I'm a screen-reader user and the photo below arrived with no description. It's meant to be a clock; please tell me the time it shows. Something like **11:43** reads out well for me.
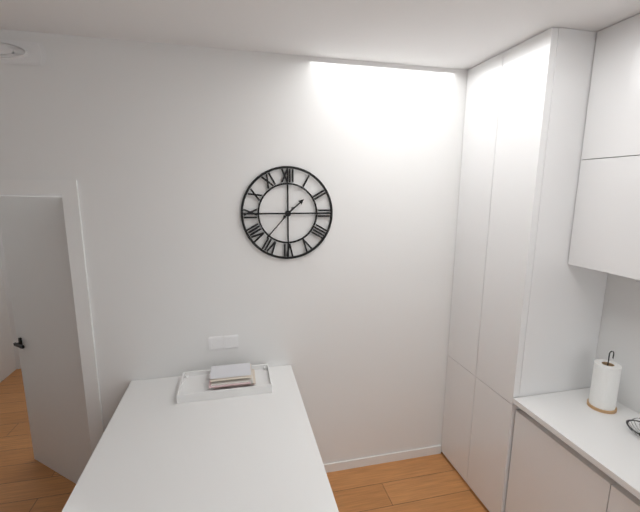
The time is **1:37**
